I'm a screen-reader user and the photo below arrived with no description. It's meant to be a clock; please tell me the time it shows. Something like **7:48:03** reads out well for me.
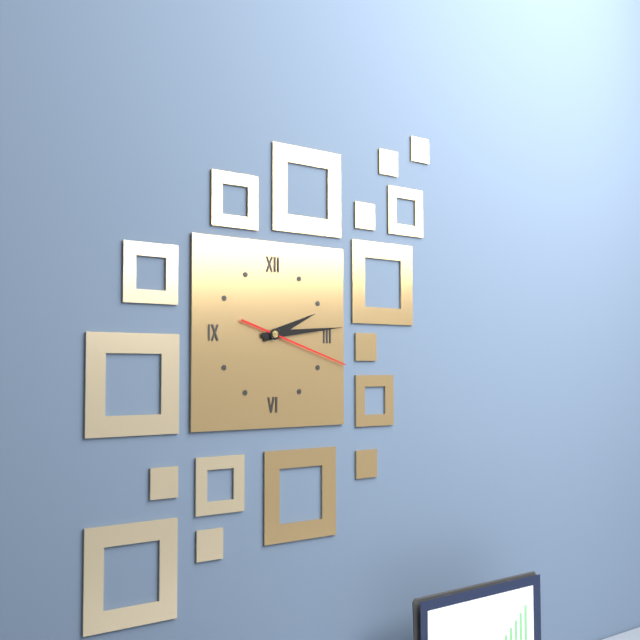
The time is **2:14:18**
